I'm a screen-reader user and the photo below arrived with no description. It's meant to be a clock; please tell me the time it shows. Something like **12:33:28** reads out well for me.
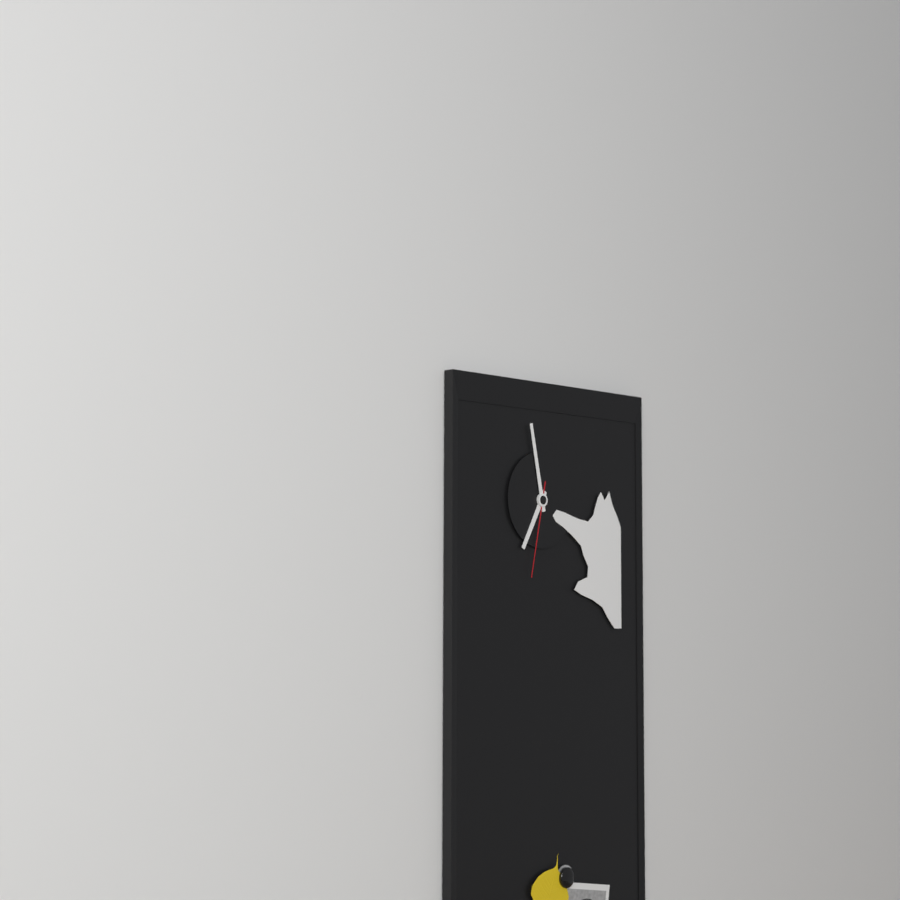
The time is **6:58:32**
